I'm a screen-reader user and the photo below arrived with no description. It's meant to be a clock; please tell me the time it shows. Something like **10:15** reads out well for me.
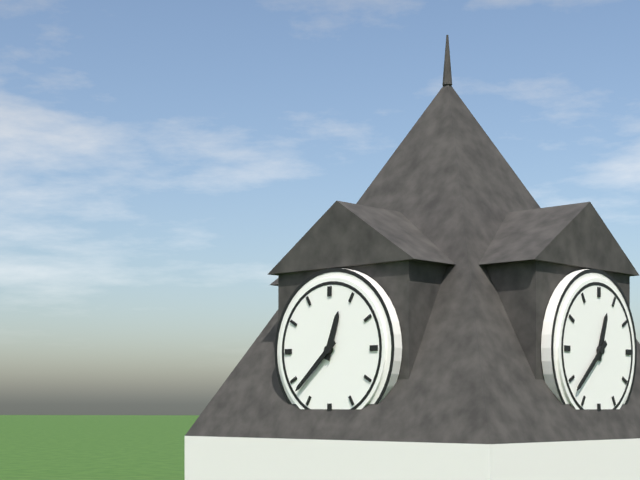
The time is **12:38**
